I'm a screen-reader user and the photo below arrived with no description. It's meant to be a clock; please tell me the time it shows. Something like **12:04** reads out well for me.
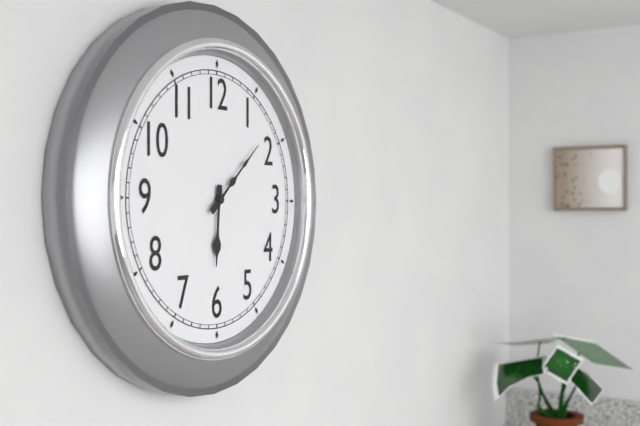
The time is **6:08**
